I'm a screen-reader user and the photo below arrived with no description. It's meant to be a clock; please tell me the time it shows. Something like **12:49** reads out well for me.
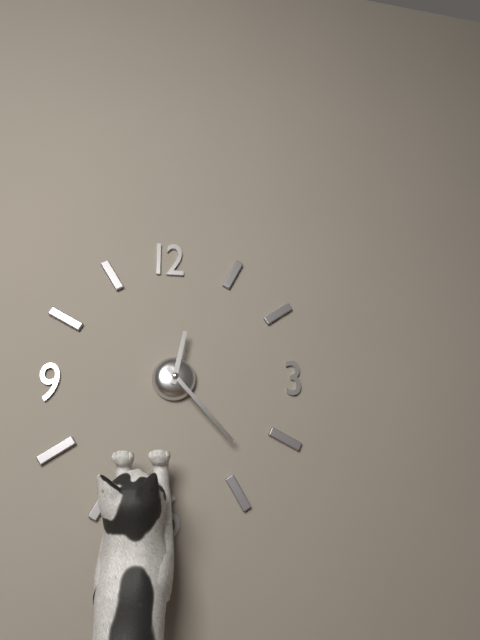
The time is **12:23**
